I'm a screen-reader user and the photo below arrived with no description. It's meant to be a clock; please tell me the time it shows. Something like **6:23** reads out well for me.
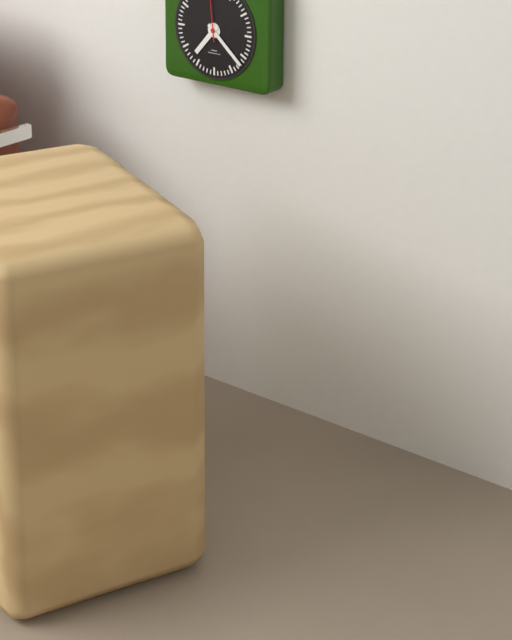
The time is **7:22**
